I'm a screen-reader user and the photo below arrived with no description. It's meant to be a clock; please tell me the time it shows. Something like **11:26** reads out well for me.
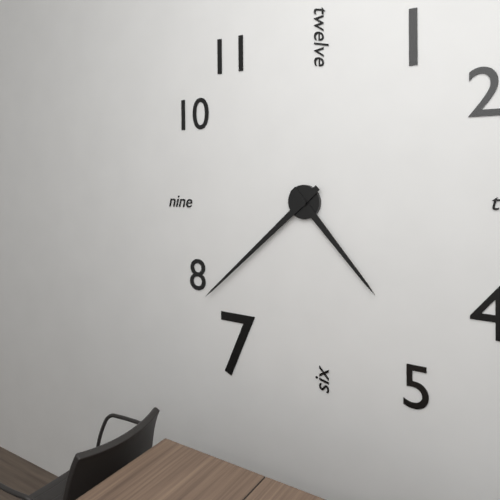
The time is **4:38**
